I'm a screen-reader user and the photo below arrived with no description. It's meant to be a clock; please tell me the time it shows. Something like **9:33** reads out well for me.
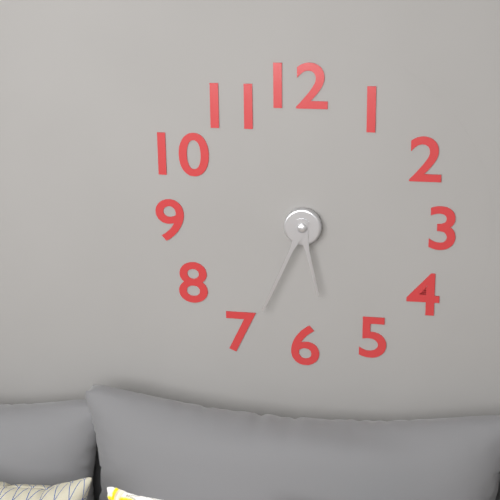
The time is **5:34**
